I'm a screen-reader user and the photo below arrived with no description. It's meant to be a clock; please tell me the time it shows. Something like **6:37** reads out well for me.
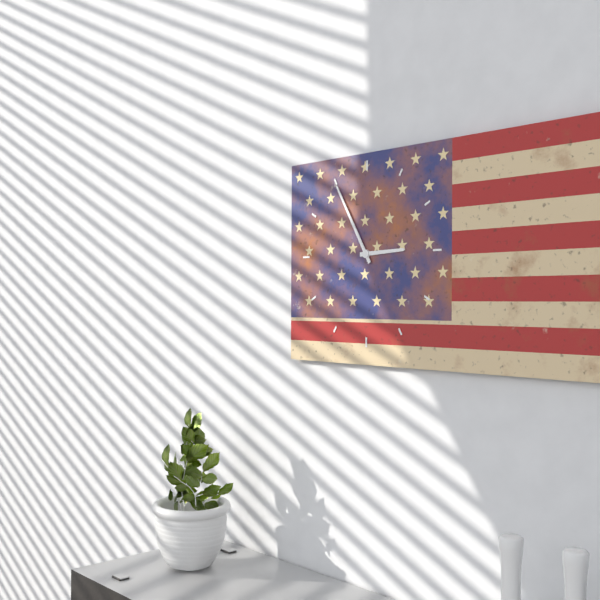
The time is **2:55**
